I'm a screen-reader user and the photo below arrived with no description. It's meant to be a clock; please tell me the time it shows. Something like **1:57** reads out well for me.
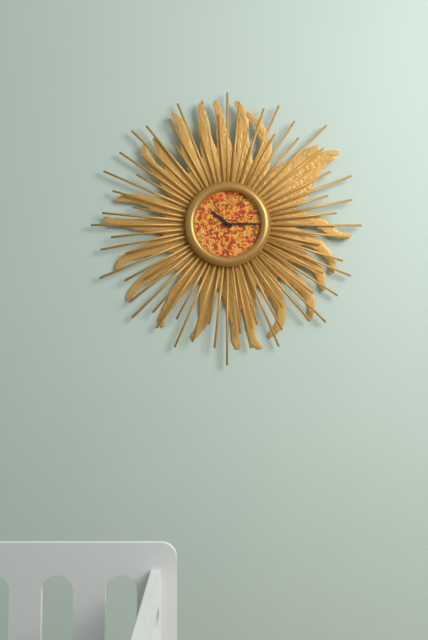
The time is **10:15**
